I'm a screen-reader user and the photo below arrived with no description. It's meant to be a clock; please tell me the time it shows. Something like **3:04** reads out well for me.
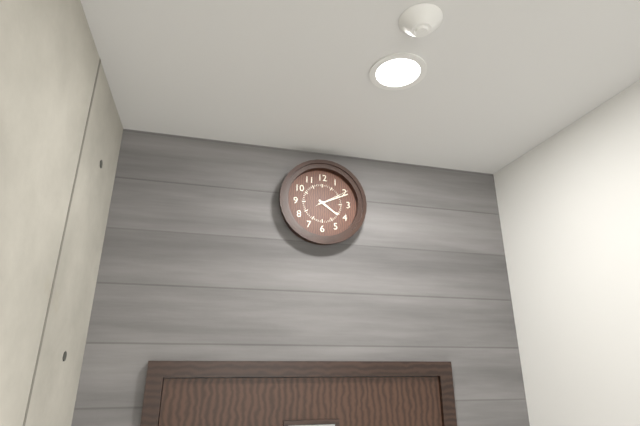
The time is **4:11**
